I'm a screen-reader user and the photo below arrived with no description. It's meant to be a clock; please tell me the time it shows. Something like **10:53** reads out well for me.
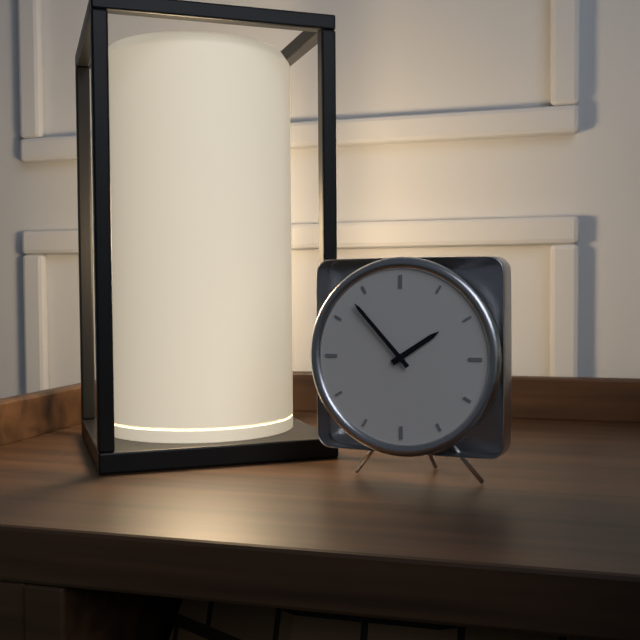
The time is **1:53**
